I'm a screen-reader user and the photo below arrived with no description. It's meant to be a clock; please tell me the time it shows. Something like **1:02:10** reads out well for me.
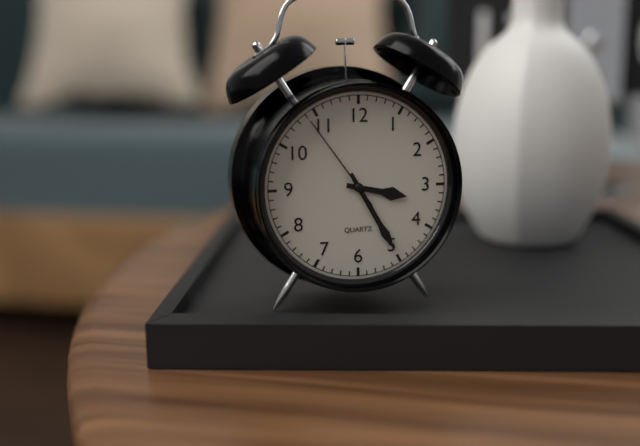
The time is **3:25:54**
